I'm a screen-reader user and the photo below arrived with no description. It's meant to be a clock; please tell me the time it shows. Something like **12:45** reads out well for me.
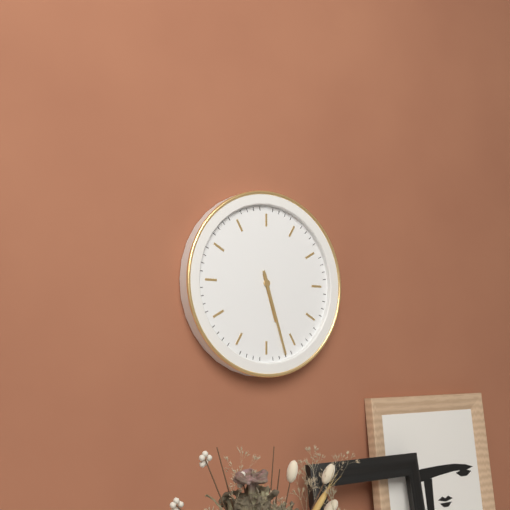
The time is **5:27**
